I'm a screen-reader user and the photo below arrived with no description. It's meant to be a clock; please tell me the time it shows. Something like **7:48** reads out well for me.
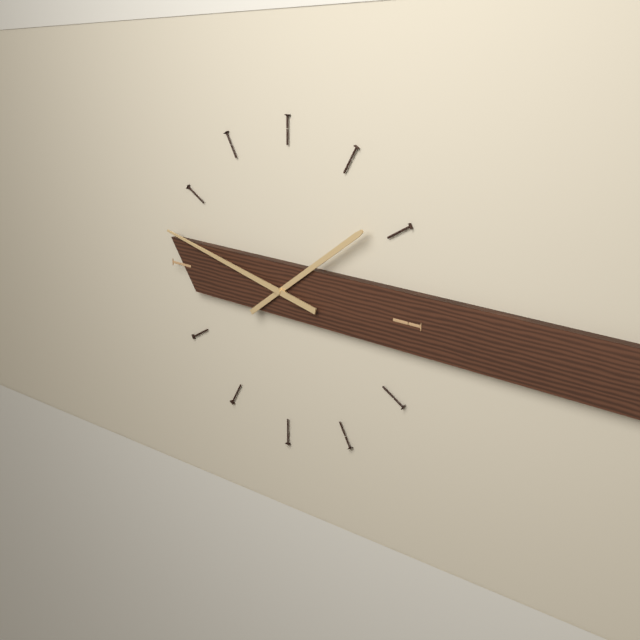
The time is **1:47**
